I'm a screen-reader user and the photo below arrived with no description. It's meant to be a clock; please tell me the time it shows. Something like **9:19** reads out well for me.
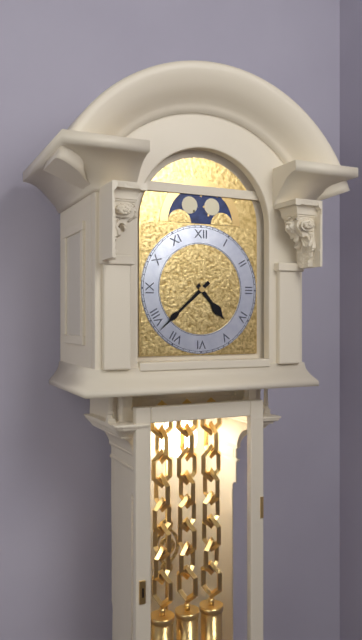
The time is **4:38**
